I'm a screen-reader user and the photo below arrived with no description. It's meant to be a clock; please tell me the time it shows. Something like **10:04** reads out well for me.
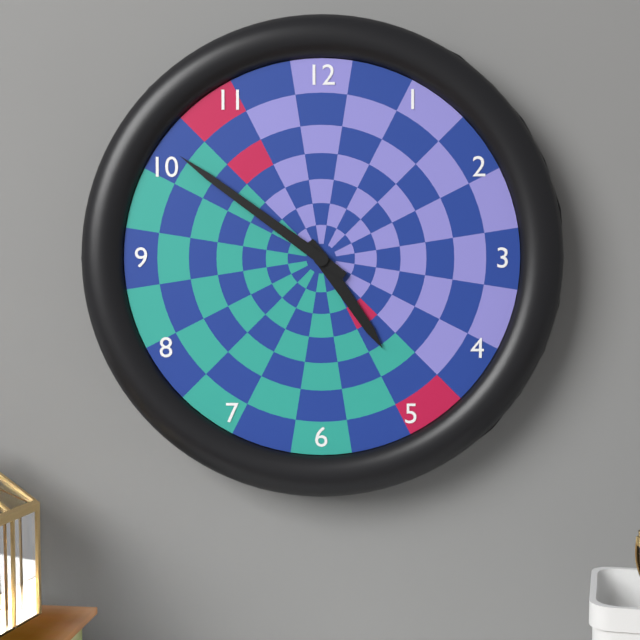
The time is **4:51**
